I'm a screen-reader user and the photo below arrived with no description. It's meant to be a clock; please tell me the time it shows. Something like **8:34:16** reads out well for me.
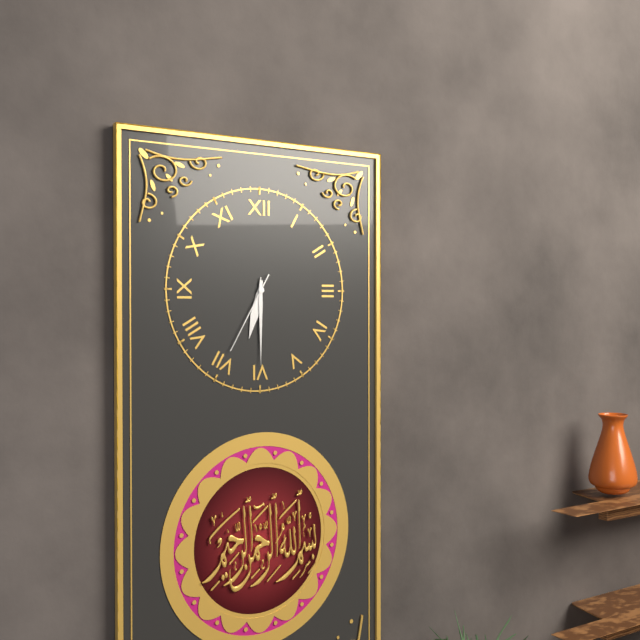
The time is **6:30:35**
